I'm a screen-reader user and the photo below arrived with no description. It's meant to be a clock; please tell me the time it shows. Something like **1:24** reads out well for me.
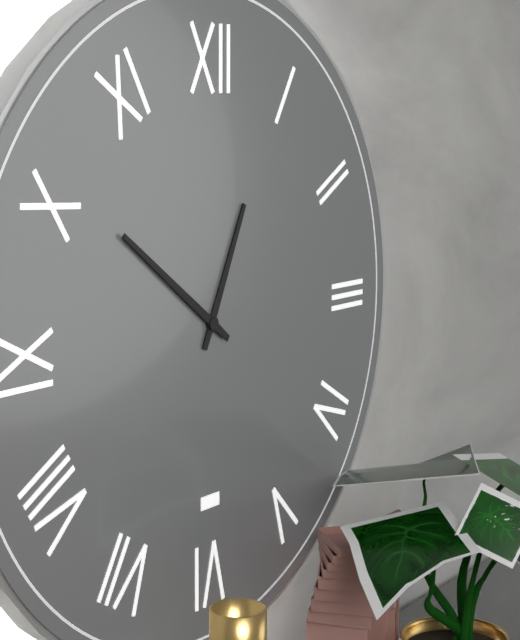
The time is **12:51**
